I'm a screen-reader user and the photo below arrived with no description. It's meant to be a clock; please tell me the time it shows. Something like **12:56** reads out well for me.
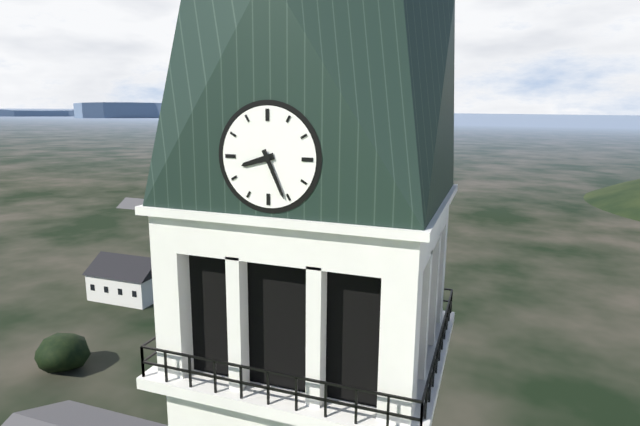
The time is **8:26**
